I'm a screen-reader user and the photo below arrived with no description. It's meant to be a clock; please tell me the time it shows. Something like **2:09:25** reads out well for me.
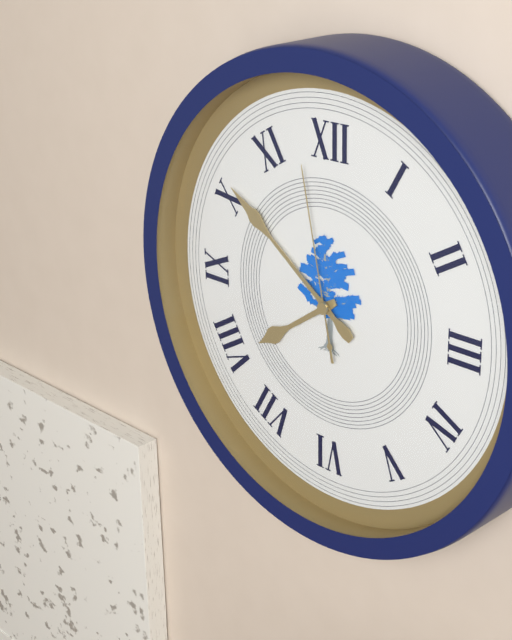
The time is **7:51:58**
